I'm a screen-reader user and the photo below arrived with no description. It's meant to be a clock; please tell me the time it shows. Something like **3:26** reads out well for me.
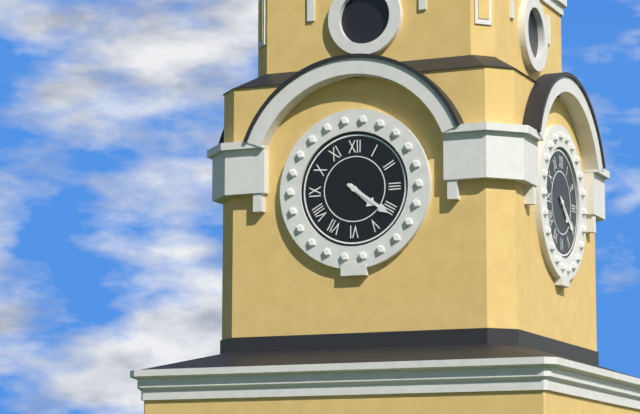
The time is **4:21**
